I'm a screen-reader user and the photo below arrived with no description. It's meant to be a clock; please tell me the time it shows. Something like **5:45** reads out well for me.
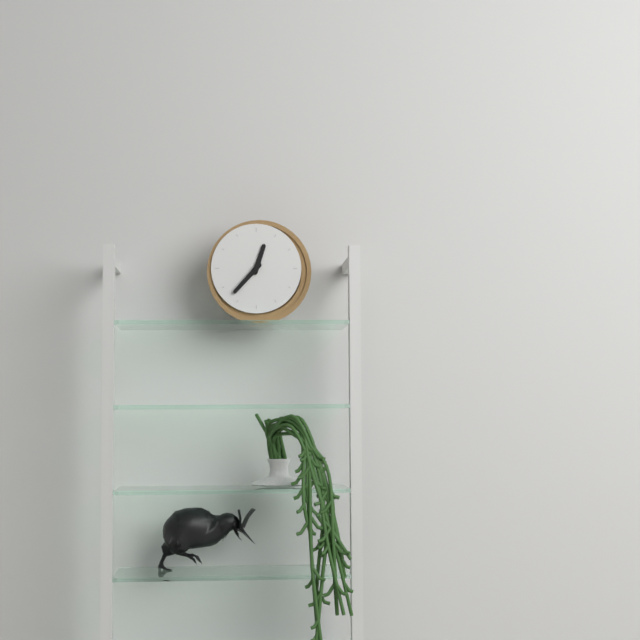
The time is **12:37**
